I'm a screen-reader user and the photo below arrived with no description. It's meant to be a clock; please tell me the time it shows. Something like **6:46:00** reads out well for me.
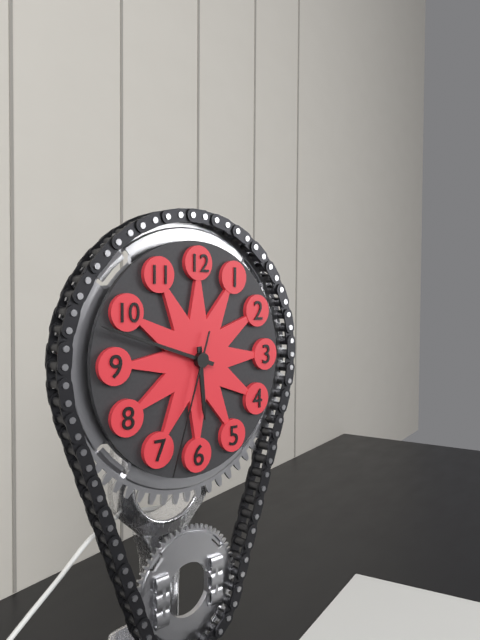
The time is **5:48:33**
